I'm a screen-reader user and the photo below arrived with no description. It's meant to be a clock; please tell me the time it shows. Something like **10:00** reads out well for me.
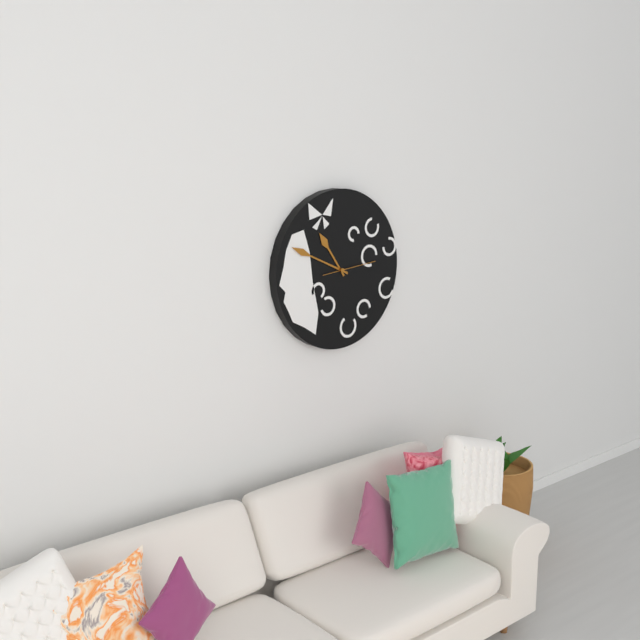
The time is **10:49**
